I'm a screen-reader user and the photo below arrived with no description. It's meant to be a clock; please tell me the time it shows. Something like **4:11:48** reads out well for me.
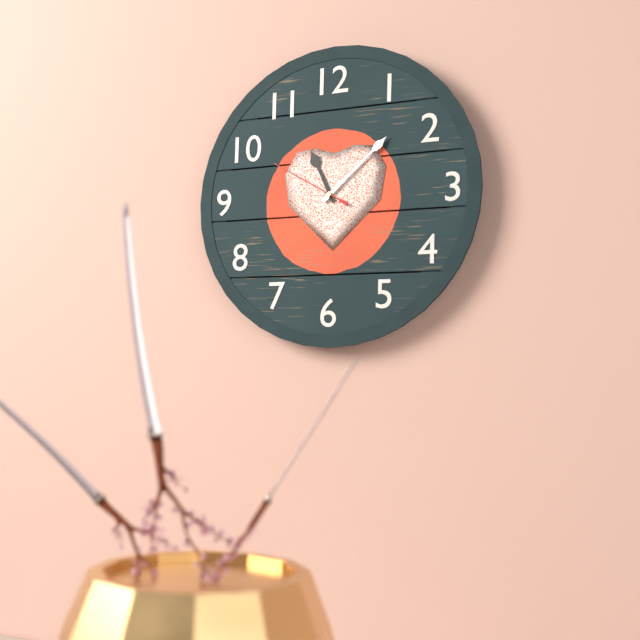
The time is **11:08:50**
